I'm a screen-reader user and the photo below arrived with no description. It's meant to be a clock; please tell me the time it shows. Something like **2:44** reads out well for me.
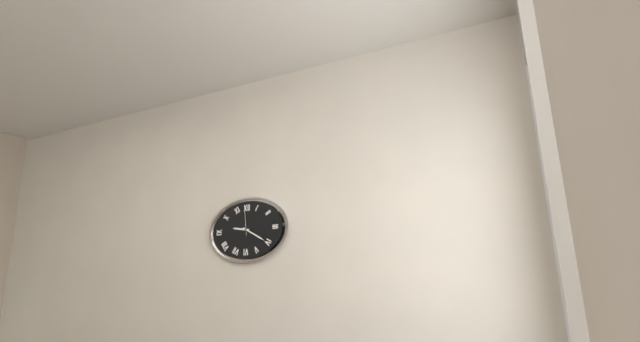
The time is **9:20**
